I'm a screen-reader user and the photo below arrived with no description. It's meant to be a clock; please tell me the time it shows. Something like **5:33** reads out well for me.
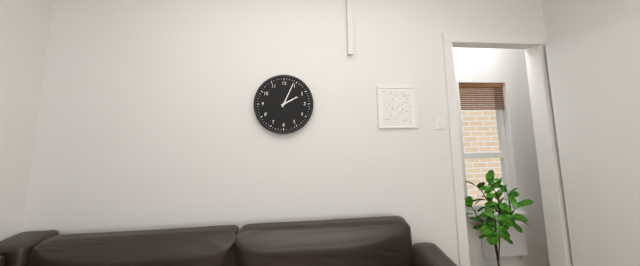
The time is **2:04**
